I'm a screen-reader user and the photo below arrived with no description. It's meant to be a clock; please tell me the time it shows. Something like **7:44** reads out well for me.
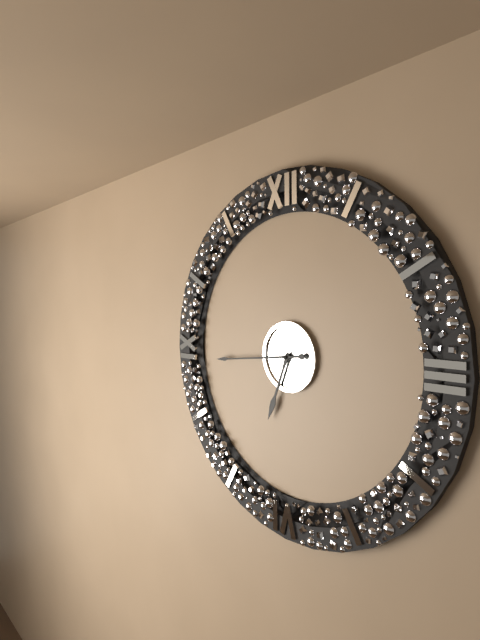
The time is **6:44**
